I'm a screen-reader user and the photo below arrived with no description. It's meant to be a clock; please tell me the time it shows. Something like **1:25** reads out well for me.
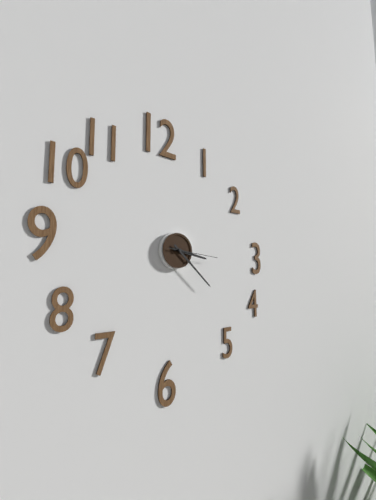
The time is **3:22**
